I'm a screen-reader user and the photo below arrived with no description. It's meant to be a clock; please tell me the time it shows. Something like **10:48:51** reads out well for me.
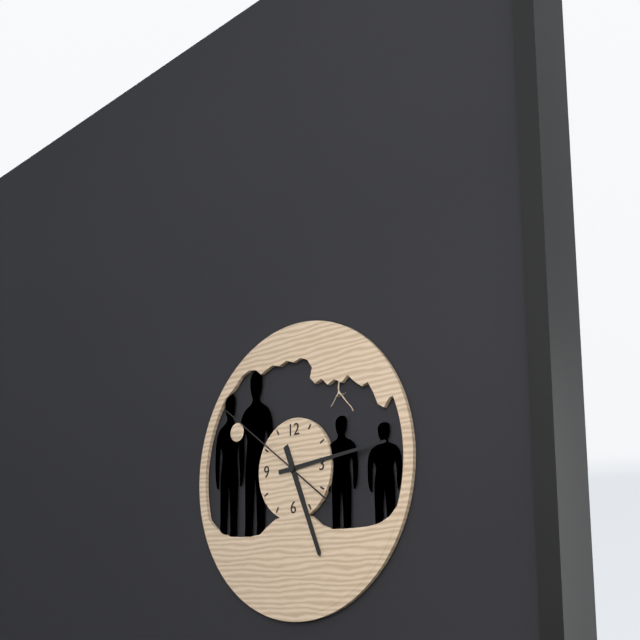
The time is **5:14:51**
